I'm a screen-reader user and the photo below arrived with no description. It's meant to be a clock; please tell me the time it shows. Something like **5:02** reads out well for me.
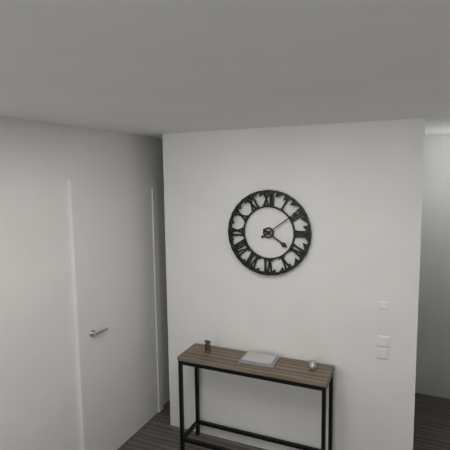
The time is **4:09**
